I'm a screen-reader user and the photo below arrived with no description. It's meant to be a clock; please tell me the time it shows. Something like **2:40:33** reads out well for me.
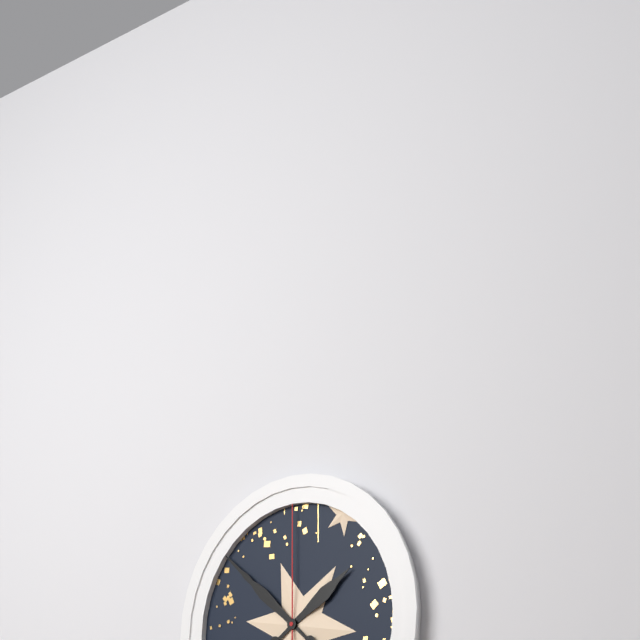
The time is **1:52:00**
